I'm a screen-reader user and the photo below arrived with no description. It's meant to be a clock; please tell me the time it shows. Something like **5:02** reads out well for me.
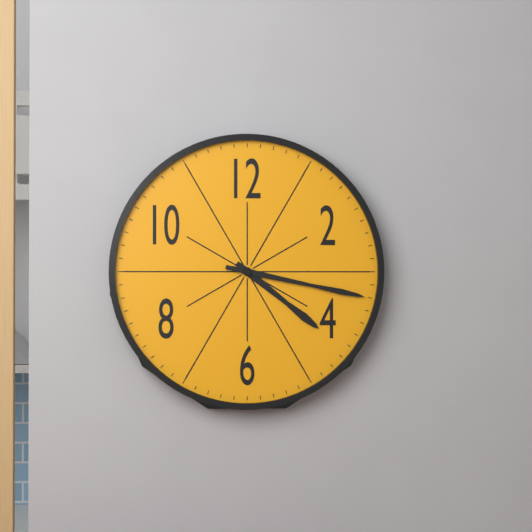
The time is **4:17**
